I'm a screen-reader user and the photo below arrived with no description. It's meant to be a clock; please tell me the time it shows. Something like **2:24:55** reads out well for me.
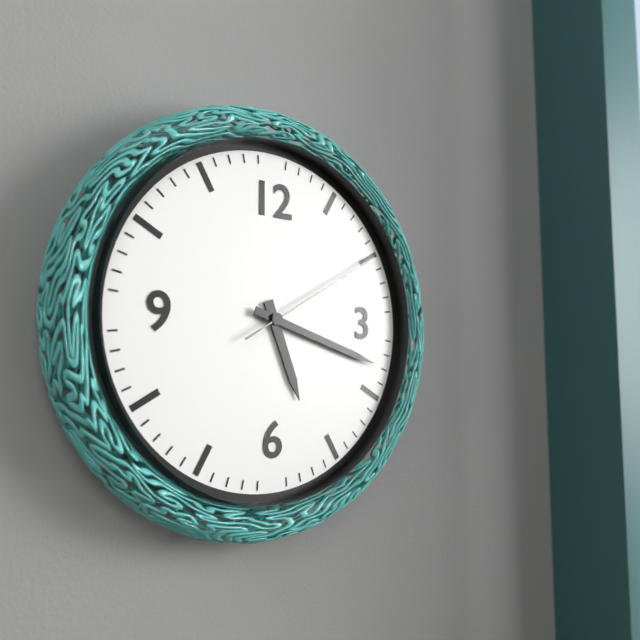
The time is **5:18:10**
